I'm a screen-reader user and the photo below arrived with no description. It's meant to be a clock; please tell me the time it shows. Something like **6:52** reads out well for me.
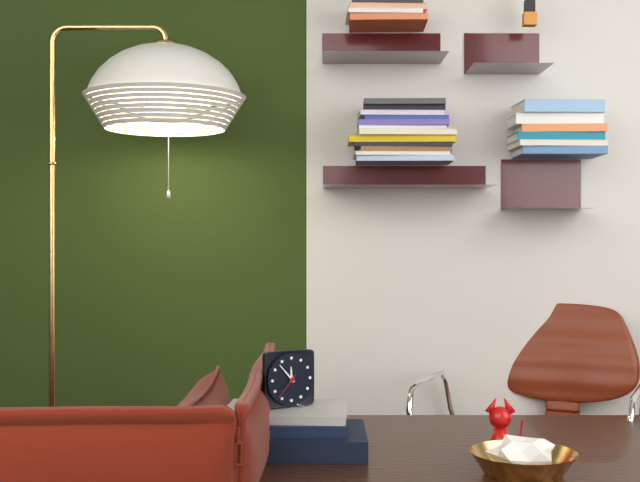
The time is **11:53**
